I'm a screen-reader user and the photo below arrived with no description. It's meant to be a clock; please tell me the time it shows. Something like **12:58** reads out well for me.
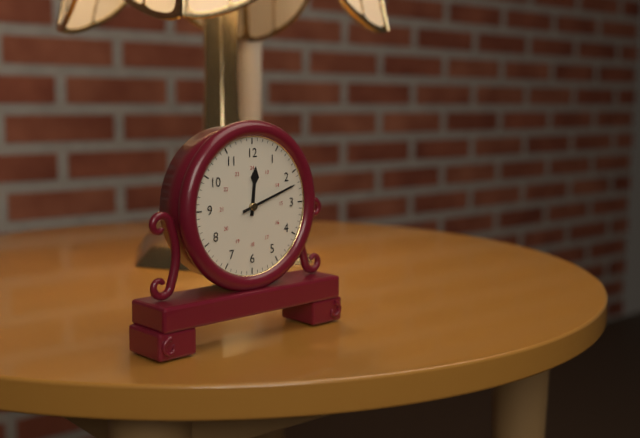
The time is **12:12**
